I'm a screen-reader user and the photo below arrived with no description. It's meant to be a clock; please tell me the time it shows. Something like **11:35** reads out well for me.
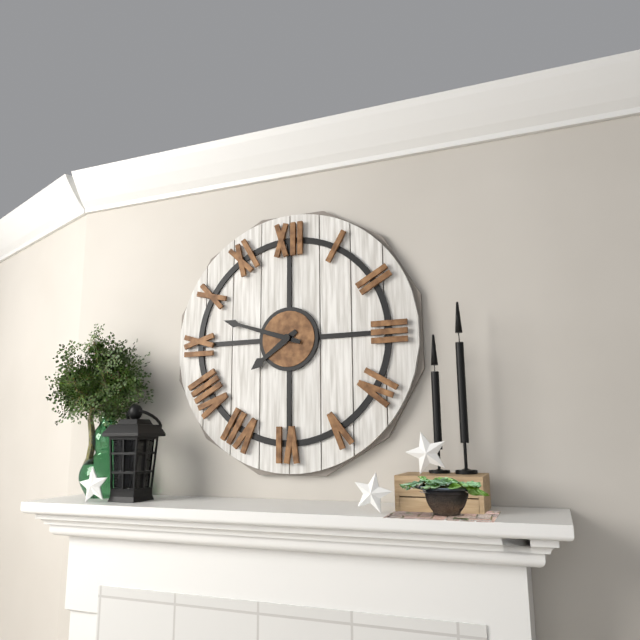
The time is **7:48**
